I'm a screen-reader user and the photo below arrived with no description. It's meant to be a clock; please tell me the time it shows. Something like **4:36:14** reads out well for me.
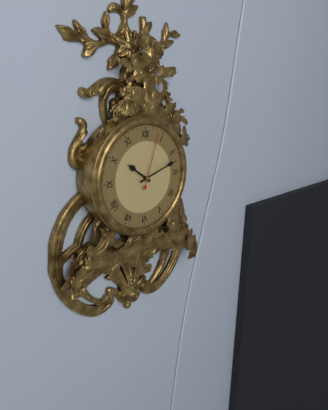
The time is **10:12:03**
